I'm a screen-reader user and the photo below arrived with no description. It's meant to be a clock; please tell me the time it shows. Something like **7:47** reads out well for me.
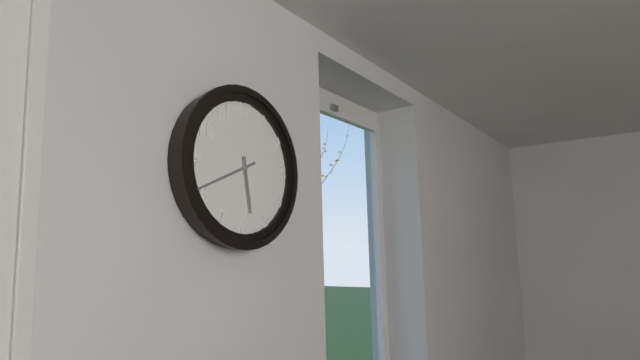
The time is **5:41**
